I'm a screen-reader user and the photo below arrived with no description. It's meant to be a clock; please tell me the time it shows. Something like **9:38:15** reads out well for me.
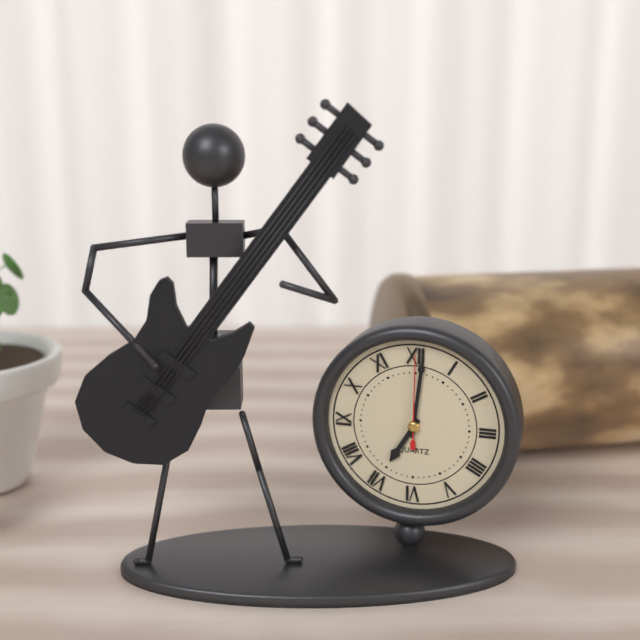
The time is **7:01:00**
